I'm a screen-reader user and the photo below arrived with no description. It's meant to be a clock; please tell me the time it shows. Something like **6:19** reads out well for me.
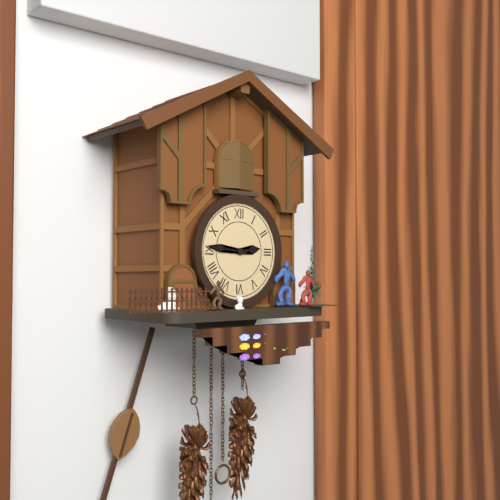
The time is **2:46**
